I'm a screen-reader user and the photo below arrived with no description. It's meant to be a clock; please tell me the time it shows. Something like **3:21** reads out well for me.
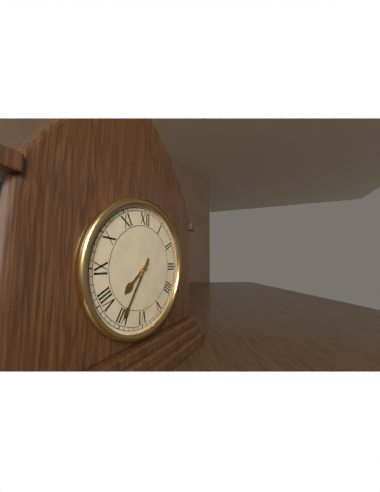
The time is **7:35**
